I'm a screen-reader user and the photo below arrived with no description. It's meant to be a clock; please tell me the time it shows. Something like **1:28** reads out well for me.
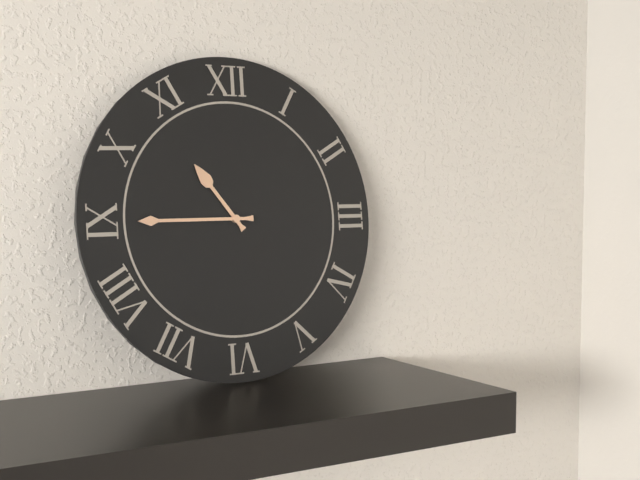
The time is **10:45**
